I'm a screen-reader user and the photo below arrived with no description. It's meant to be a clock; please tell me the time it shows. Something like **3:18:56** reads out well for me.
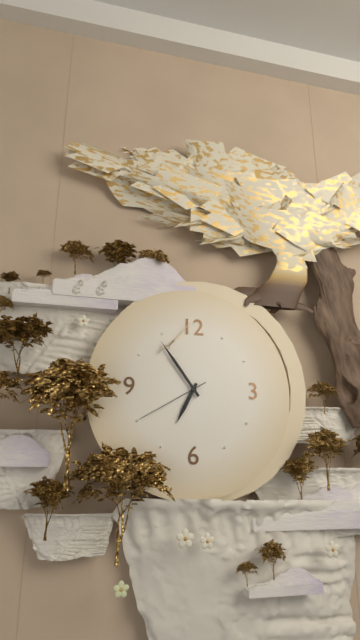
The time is **6:54:40**
